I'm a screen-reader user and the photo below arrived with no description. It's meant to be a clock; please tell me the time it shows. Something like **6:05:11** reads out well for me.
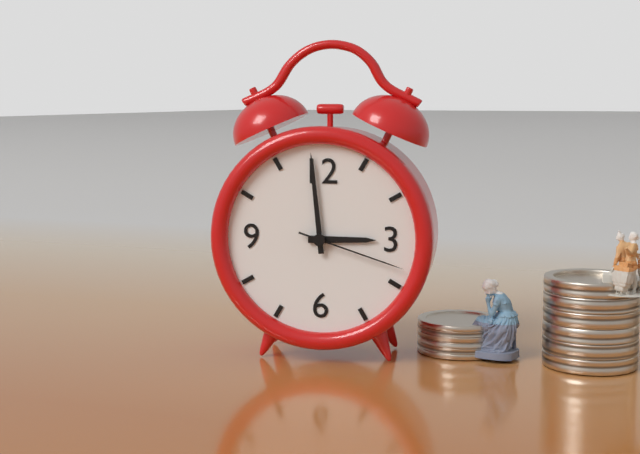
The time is **2:59:18**
